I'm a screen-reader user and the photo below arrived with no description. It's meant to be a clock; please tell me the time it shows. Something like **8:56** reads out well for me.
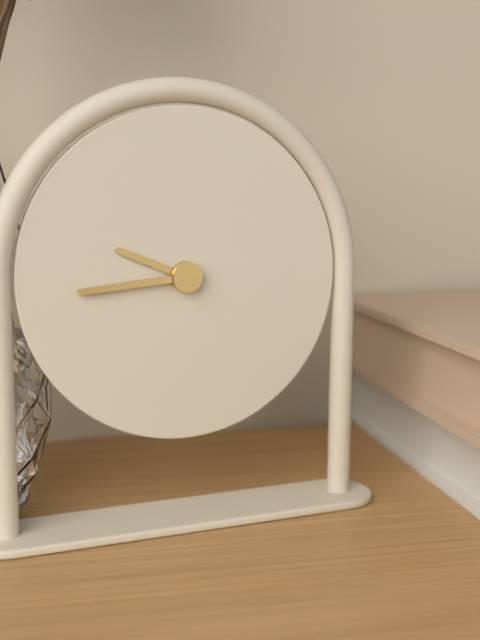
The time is **9:44**
